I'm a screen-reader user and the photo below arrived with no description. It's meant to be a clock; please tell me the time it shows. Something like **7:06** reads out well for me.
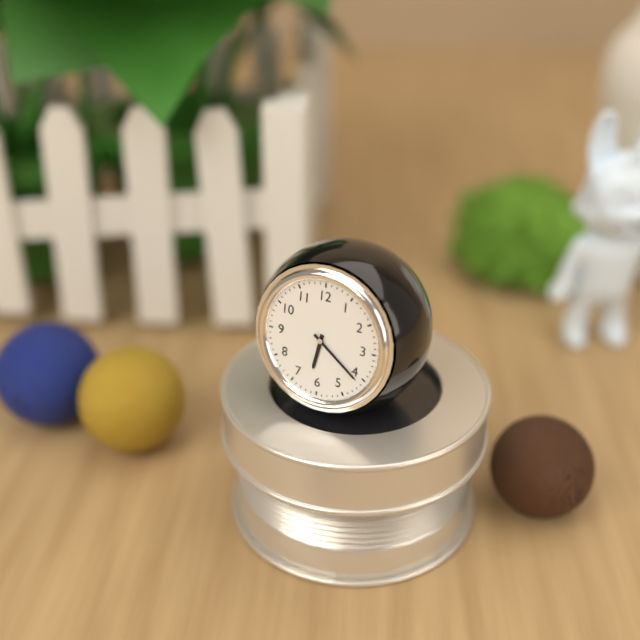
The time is **6:21**
